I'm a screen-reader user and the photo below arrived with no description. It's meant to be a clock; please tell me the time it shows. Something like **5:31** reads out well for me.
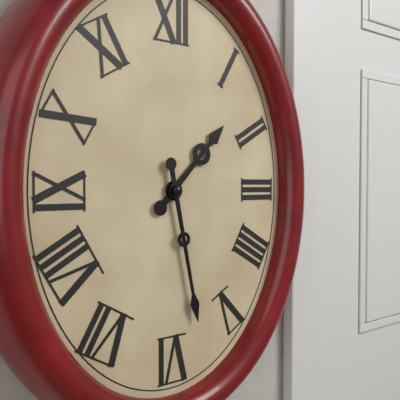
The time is **1:28**
